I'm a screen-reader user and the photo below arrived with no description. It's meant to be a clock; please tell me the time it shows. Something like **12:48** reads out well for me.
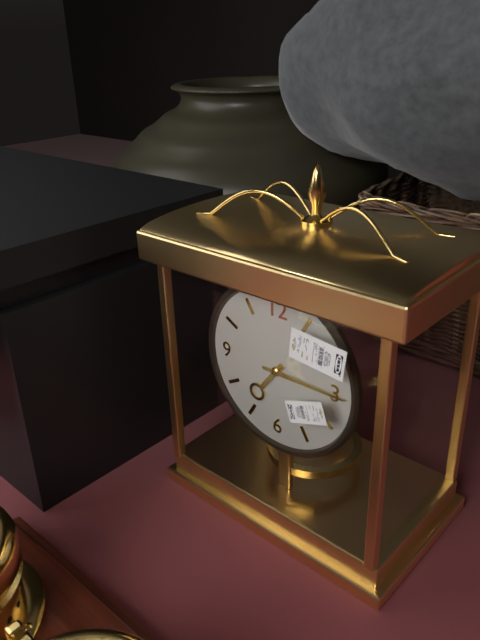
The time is **7:15**
